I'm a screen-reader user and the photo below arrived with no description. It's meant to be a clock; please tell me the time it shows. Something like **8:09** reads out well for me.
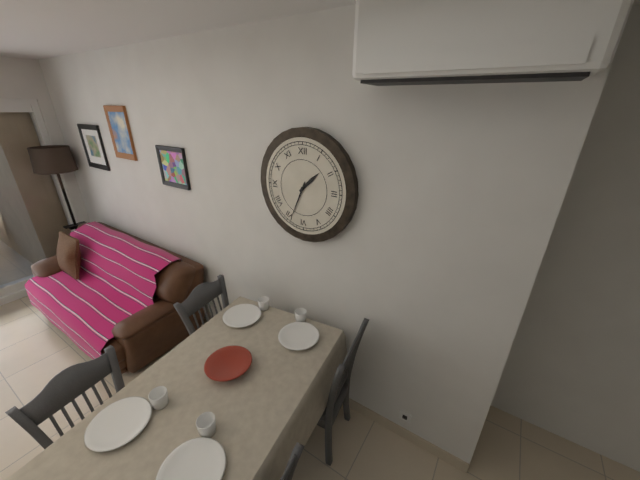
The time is **1:34**
